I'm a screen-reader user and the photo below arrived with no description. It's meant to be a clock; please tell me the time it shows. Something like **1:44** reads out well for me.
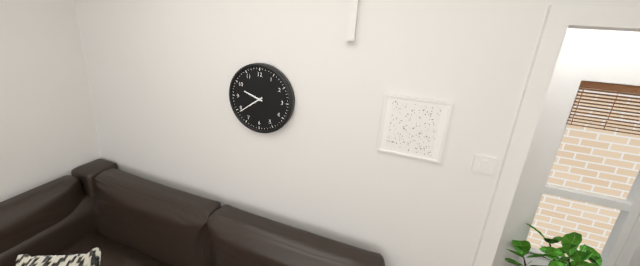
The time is **9:39**
